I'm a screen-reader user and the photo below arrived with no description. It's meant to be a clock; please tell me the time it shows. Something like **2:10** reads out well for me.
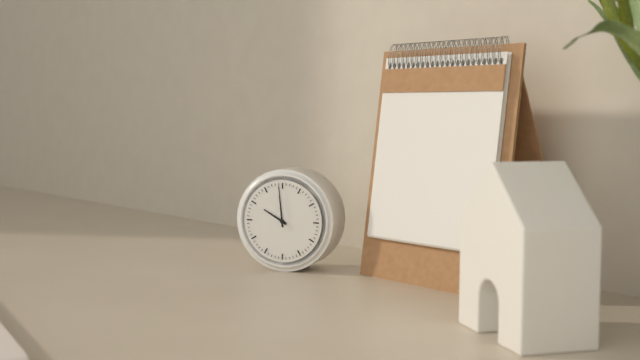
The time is **9:59**
